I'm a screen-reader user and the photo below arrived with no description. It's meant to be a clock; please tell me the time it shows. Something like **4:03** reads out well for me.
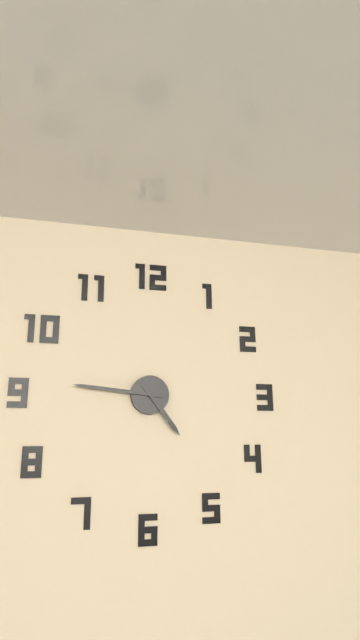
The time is **4:46**
